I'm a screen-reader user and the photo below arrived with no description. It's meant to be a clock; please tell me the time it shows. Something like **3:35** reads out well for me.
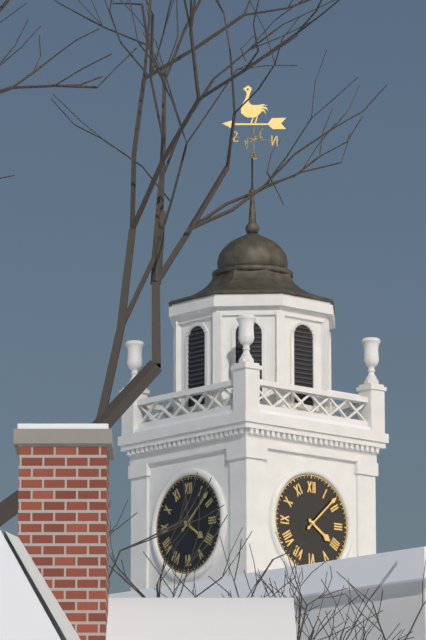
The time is **4:08**
